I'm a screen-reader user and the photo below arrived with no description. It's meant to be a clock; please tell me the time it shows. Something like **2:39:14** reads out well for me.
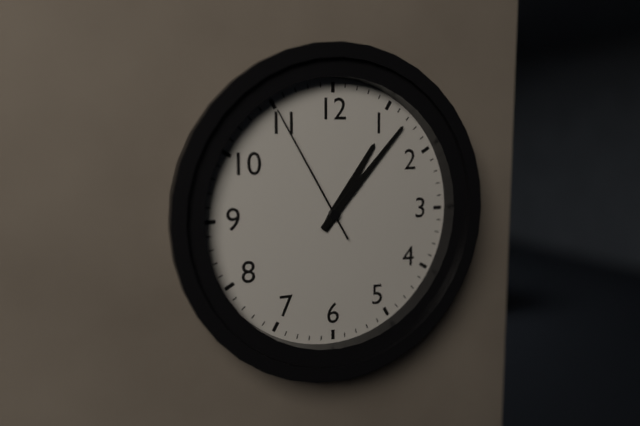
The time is **1:07:55**
